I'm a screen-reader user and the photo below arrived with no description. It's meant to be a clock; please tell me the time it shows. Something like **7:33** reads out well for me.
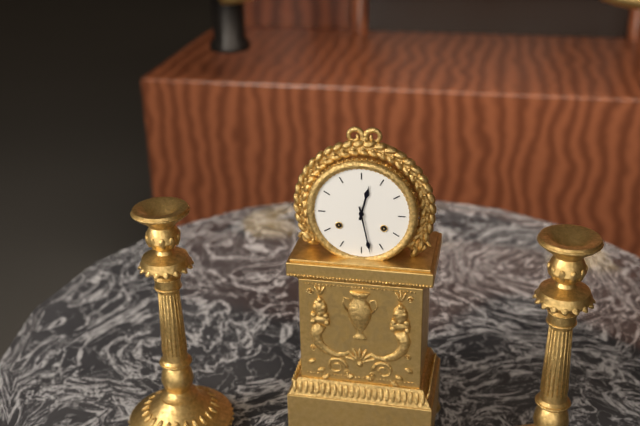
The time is **12:28**
